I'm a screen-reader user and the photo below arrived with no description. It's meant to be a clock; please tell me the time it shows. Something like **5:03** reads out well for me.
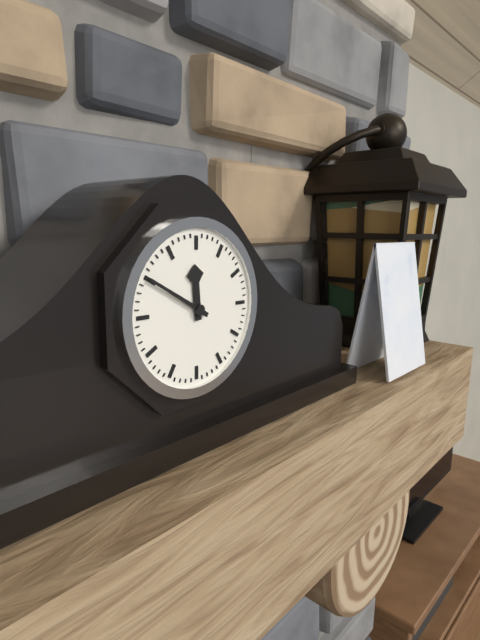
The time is **11:50**
